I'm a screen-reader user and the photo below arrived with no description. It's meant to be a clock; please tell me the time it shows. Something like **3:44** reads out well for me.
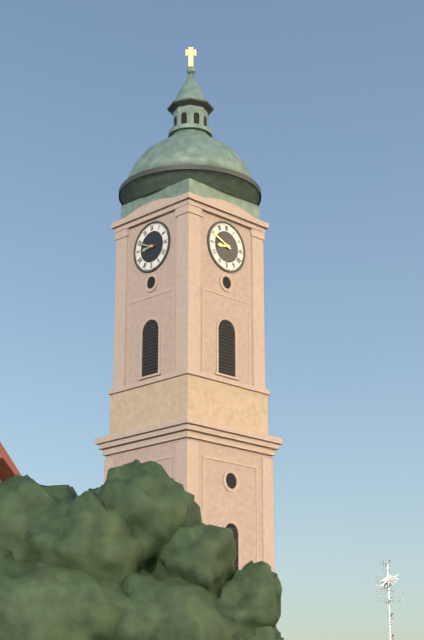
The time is **8:49**
